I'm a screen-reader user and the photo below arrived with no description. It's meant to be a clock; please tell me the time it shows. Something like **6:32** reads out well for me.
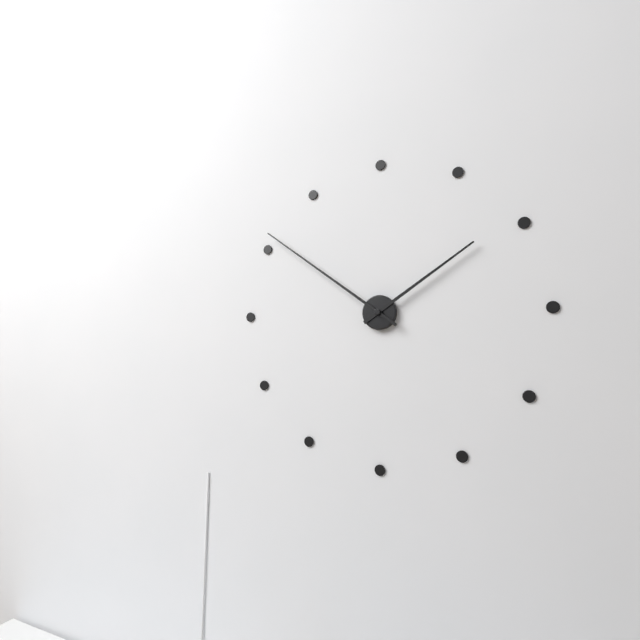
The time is **1:51**
